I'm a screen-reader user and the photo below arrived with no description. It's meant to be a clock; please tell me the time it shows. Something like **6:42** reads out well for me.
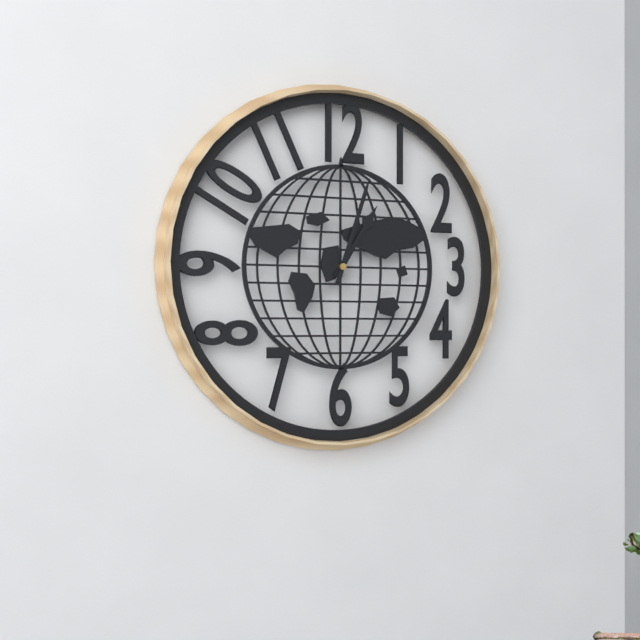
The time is **1:03**
